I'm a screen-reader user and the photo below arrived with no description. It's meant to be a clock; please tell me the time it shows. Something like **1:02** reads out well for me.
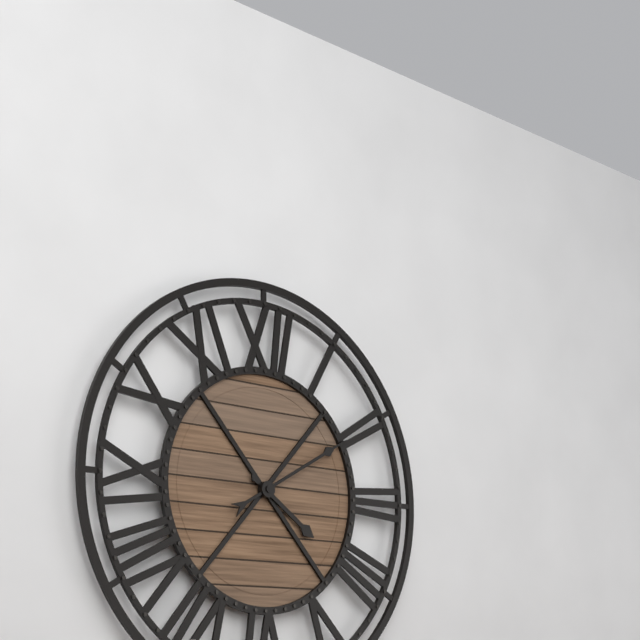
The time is **4:10**
